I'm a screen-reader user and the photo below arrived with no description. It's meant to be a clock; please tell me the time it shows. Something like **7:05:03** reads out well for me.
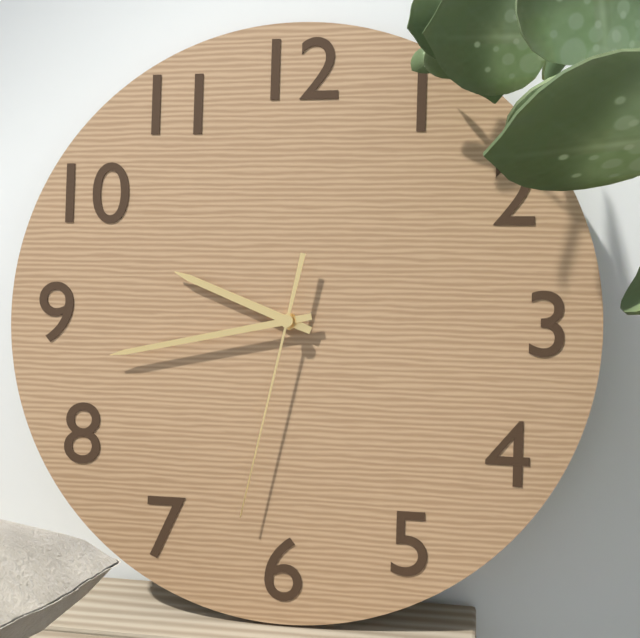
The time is **9:43:32**
